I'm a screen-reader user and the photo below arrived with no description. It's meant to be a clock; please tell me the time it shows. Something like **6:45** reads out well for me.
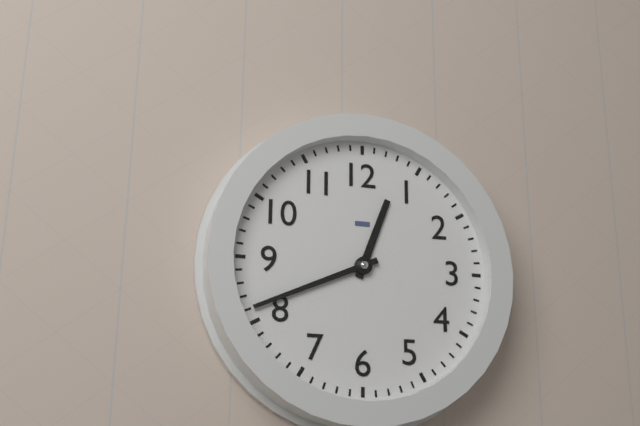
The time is **12:41**
